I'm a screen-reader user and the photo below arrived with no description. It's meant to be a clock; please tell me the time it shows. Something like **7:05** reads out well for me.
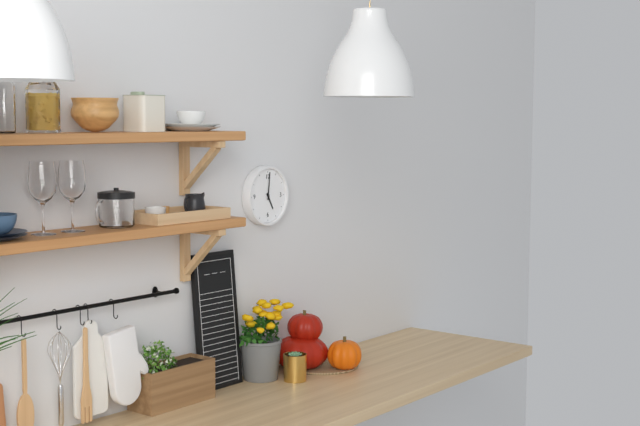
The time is **5:01**
